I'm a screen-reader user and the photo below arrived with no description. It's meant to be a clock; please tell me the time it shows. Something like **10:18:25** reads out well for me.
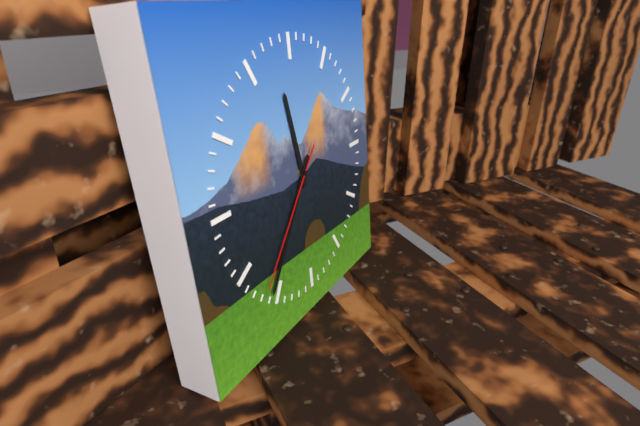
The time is **11:36:37**
